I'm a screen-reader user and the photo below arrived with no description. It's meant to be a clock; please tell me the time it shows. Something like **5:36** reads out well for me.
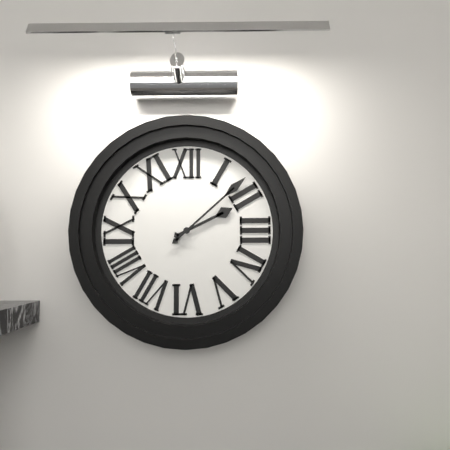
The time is **2:08**
